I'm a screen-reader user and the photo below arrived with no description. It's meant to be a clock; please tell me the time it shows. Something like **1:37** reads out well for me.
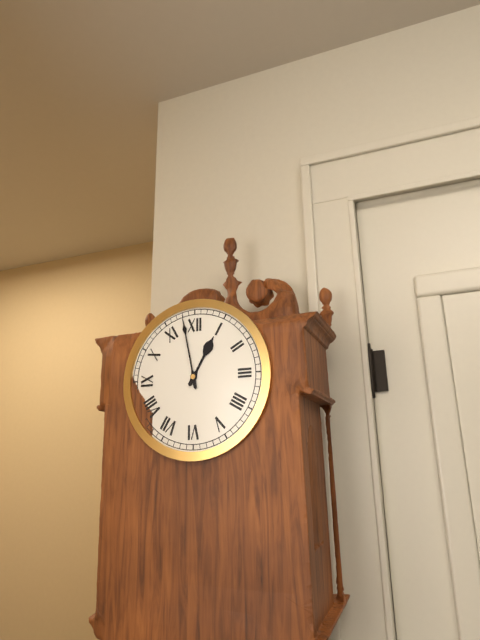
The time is **12:58**
